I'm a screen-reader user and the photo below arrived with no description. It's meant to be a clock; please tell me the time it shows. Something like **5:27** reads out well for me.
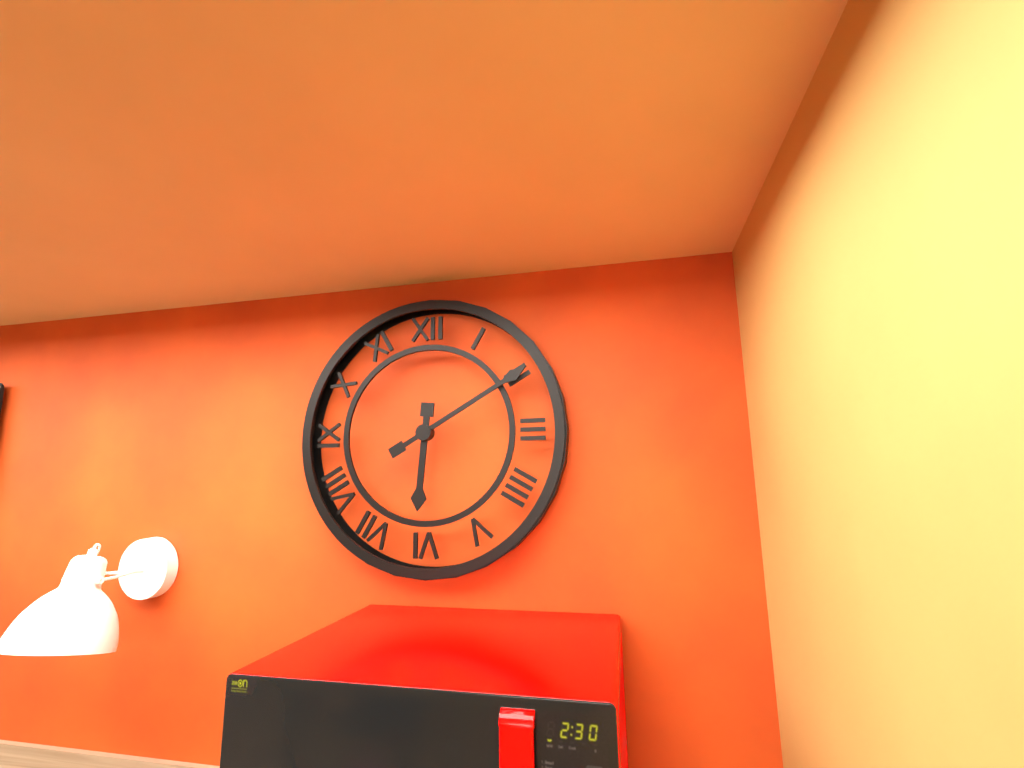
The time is **6:10**
